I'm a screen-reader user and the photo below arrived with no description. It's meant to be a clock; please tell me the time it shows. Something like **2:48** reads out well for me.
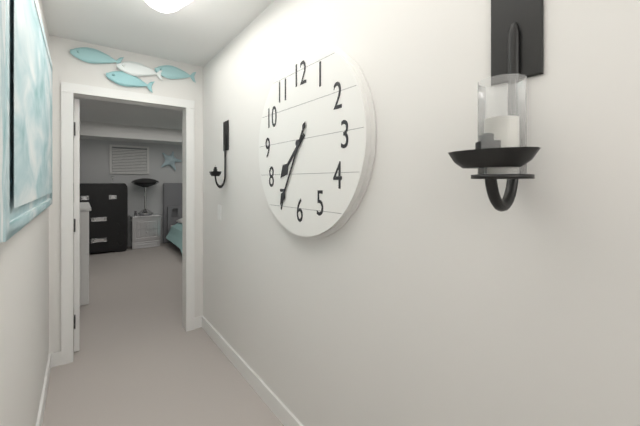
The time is **7:35**
